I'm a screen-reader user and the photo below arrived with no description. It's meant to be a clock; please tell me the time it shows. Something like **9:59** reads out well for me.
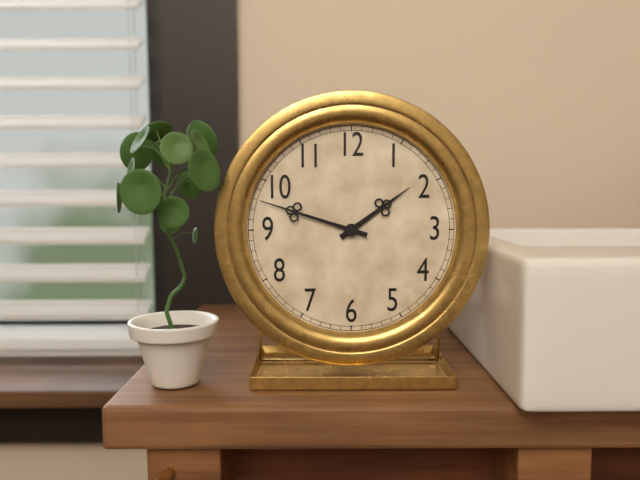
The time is **1:48**
